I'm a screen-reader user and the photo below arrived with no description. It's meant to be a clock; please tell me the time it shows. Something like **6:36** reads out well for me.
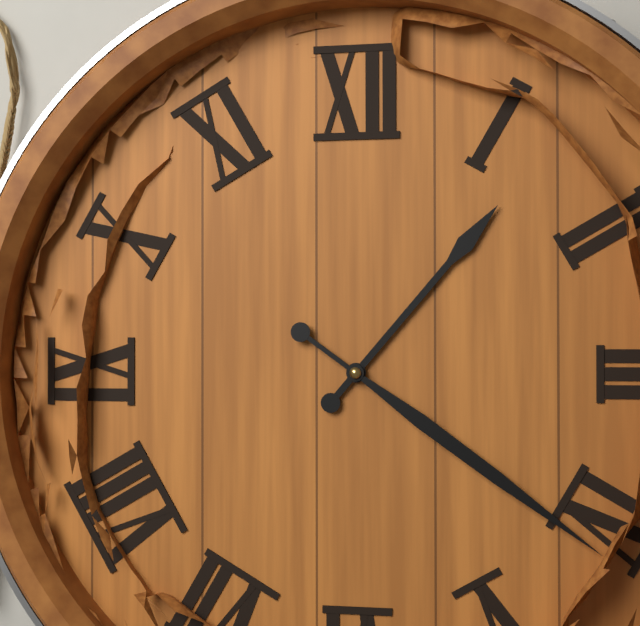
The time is **1:21**
